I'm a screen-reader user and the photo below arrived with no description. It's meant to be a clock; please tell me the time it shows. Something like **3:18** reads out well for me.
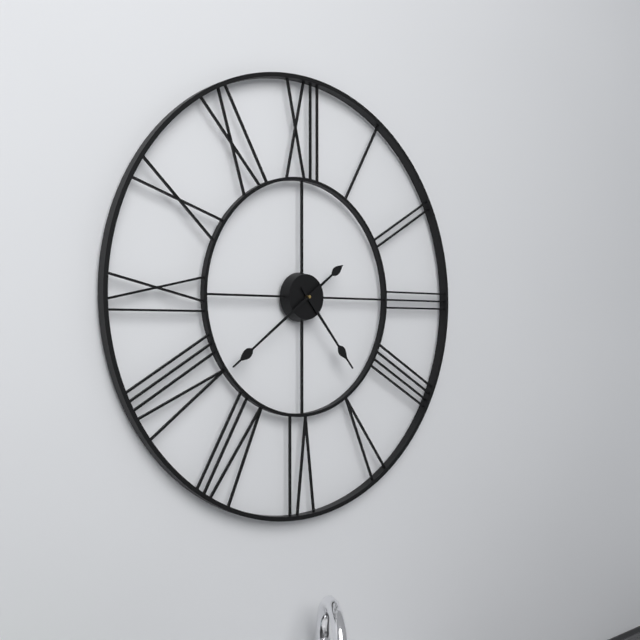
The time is **4:39**
